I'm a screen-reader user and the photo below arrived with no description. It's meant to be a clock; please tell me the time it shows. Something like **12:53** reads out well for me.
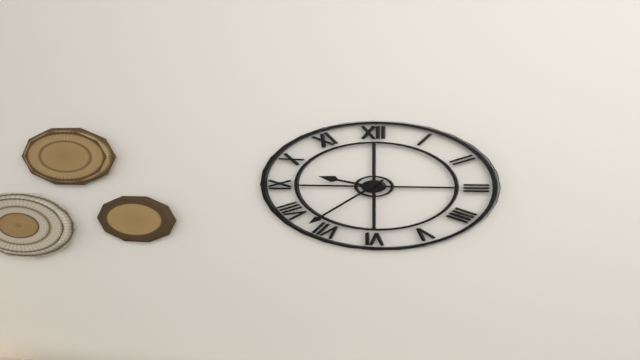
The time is **9:37**
